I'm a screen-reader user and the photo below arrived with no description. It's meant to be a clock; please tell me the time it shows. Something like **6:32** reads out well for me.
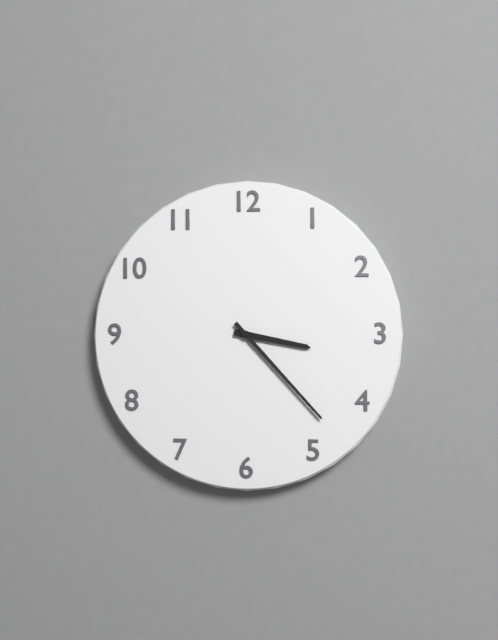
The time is **3:23**
